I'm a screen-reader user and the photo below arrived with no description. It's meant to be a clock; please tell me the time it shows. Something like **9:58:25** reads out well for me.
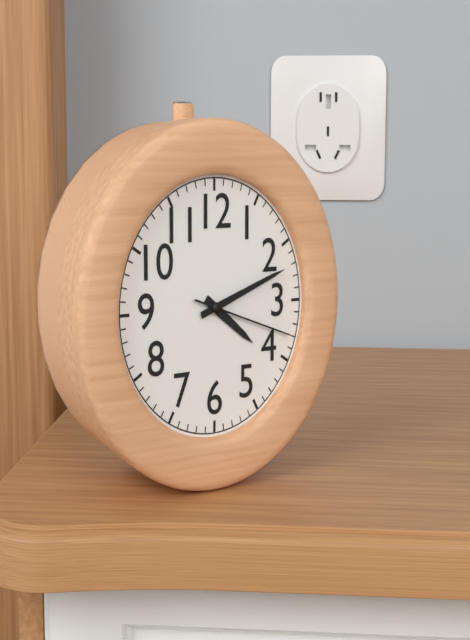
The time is **4:12:18**
